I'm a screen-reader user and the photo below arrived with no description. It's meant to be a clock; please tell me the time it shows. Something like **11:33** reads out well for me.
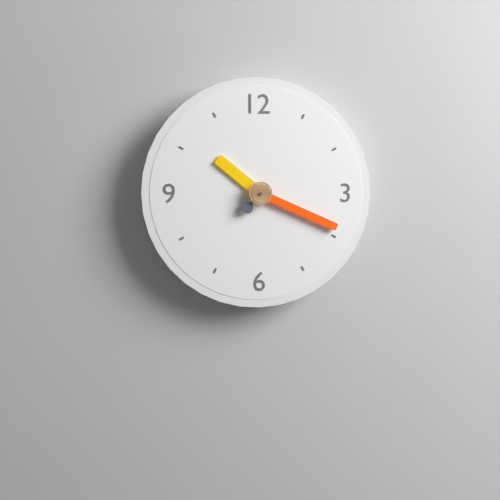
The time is **10:19**
